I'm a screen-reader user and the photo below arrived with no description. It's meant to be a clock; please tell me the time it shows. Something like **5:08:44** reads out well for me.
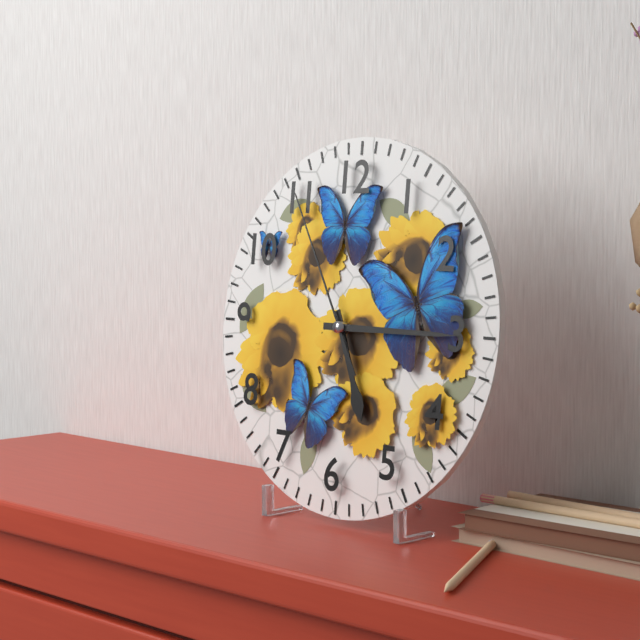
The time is **5:15:55**
